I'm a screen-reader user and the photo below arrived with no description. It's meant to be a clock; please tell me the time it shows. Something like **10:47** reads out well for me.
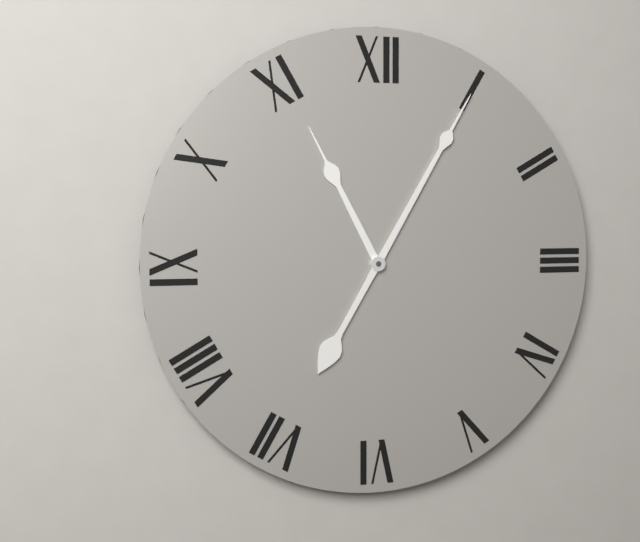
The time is **11:05**
